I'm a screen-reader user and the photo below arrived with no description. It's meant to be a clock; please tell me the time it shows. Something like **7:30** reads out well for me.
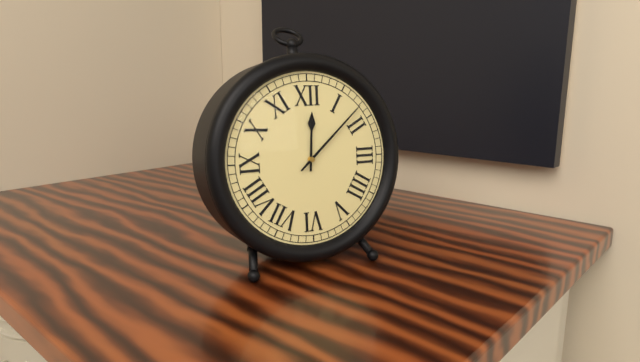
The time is **12:08**
